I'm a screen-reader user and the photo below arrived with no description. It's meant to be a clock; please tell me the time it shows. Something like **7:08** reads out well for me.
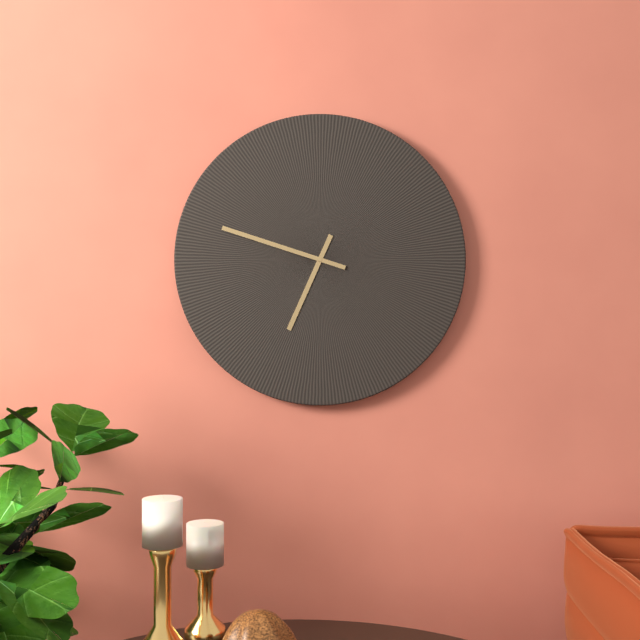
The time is **6:48**
